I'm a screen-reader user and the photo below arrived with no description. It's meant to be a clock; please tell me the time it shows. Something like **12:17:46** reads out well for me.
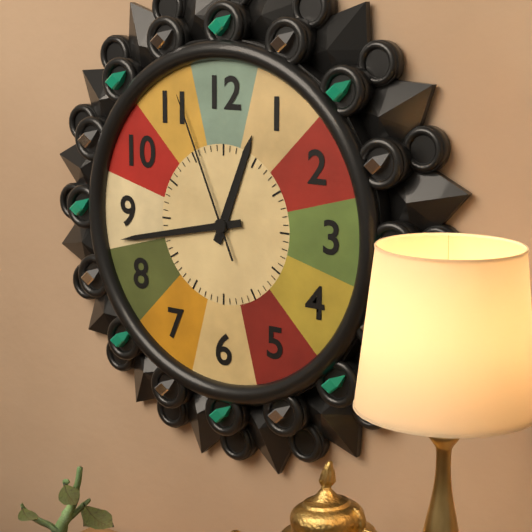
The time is **12:43:56**
